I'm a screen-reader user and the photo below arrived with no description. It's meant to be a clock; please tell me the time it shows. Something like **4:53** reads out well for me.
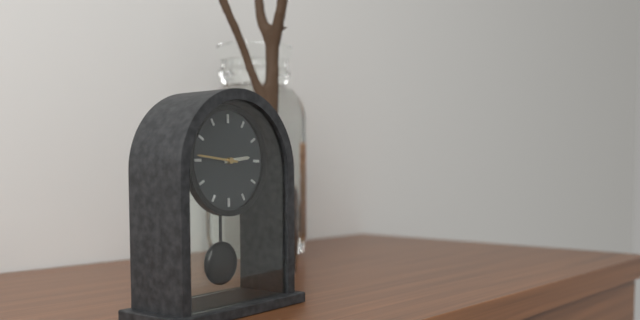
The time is **2:46**
